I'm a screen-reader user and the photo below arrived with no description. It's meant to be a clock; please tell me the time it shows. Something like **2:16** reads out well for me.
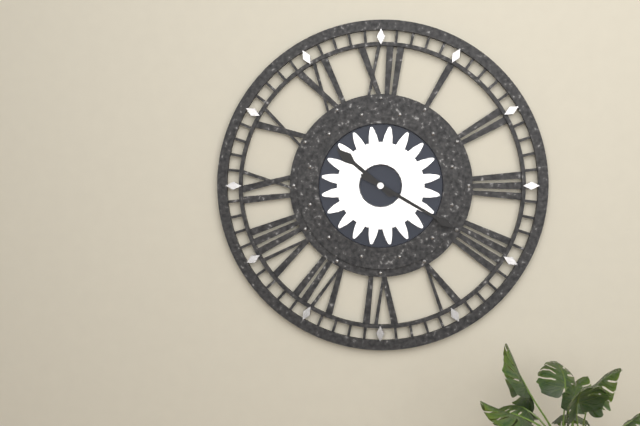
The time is **10:20**
